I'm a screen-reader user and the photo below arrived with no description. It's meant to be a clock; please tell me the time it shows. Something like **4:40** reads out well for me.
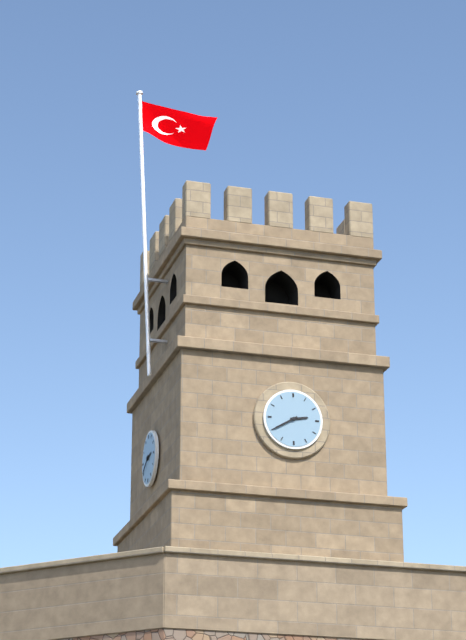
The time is **2:40**
